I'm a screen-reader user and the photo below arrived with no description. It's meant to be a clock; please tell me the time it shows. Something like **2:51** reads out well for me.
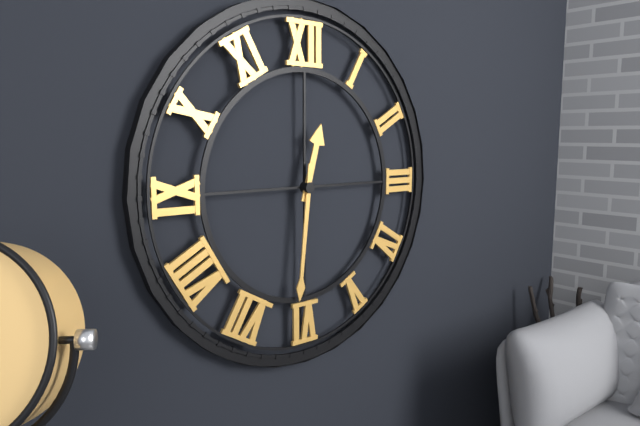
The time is **12:31**
